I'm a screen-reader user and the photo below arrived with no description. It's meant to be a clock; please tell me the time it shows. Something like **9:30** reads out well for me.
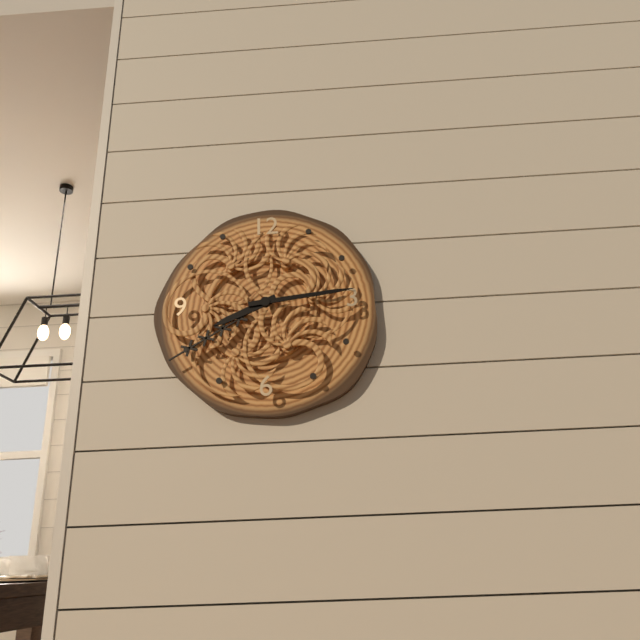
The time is **8:14**
